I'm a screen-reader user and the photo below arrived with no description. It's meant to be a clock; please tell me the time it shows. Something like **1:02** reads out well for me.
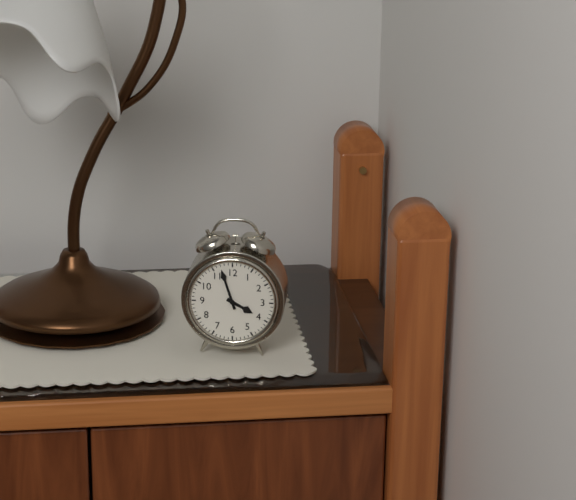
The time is **3:57**
